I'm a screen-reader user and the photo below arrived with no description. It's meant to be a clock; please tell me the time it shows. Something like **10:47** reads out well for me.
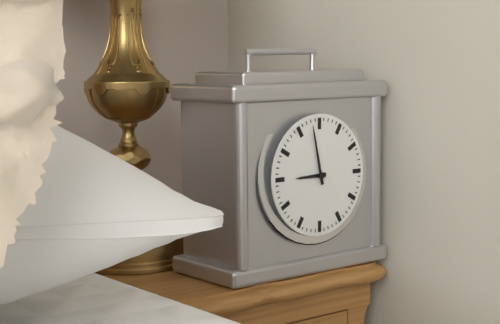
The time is **8:58**
